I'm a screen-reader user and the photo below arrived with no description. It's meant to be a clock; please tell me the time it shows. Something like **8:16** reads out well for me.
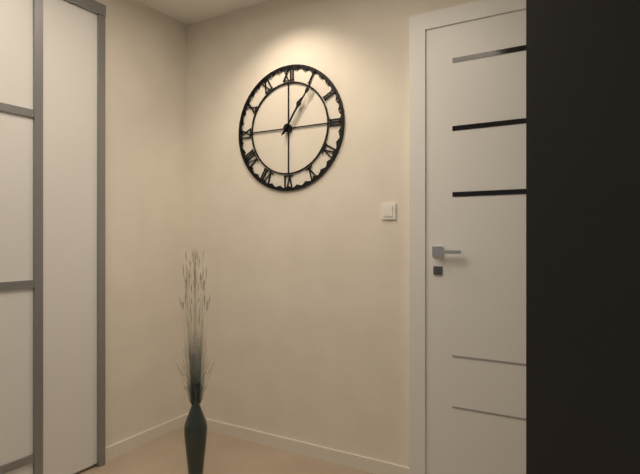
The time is **1:06**
